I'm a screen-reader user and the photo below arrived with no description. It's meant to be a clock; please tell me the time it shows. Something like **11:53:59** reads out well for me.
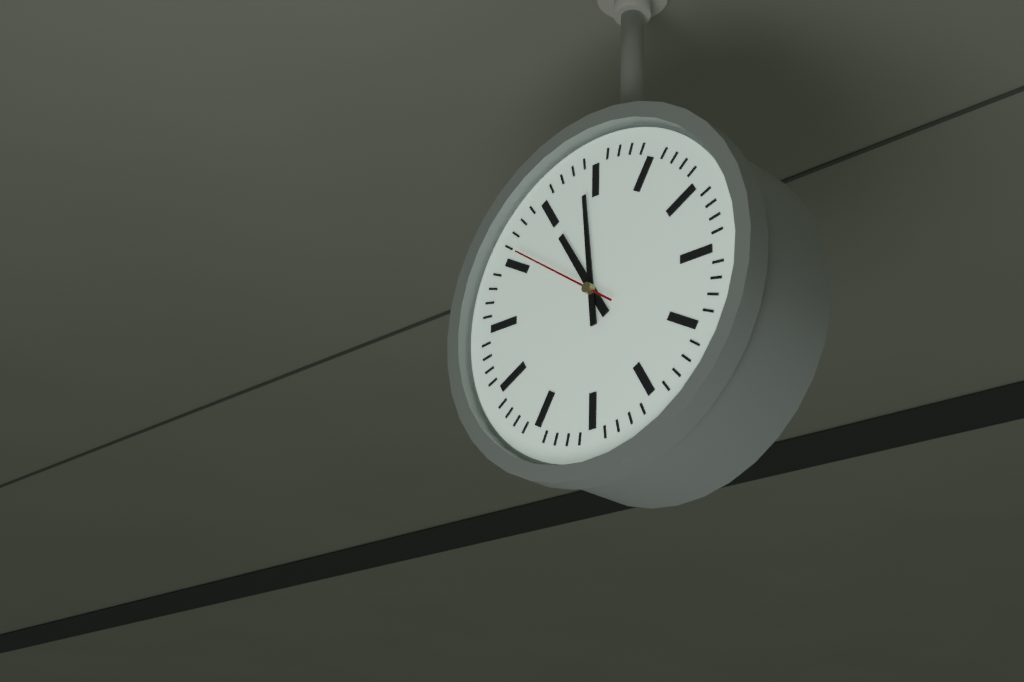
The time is **10:59:51**
